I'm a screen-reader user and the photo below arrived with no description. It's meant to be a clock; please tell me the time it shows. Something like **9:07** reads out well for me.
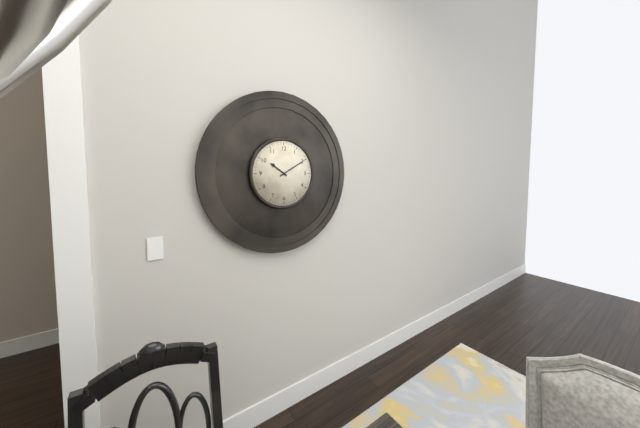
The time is **10:10**
